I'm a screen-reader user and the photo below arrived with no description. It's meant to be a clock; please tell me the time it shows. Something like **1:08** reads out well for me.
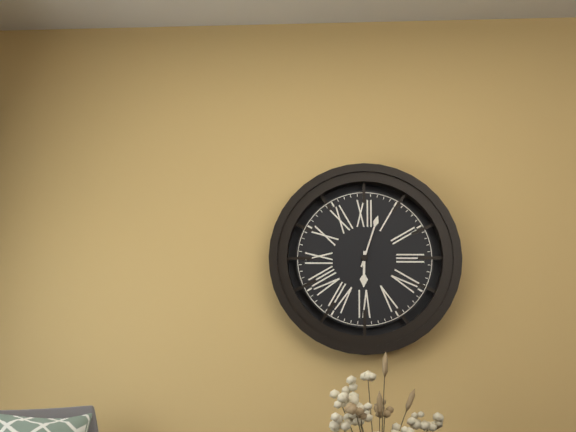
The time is **6:03**
